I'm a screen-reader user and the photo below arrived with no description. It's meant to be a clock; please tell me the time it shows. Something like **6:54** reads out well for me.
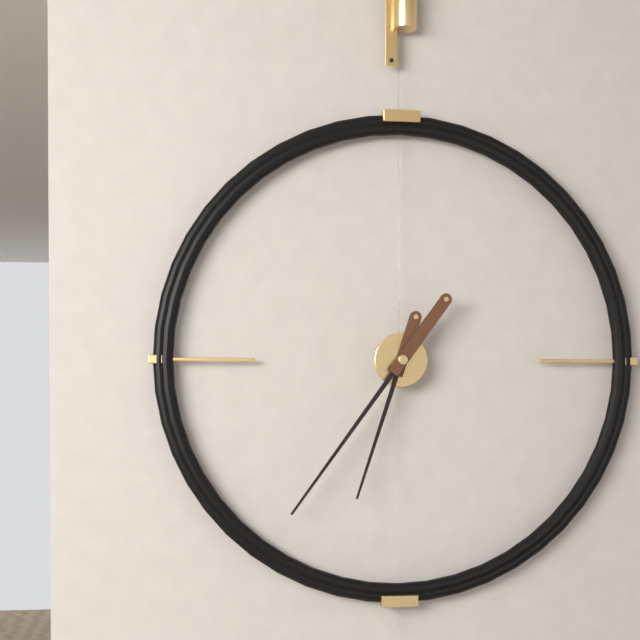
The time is **6:36**
